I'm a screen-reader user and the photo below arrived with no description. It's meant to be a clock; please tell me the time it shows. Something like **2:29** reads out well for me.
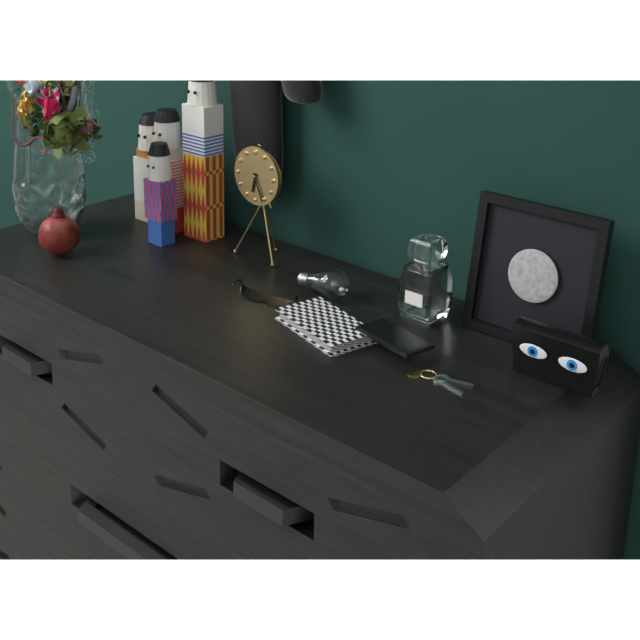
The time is **6:26**
